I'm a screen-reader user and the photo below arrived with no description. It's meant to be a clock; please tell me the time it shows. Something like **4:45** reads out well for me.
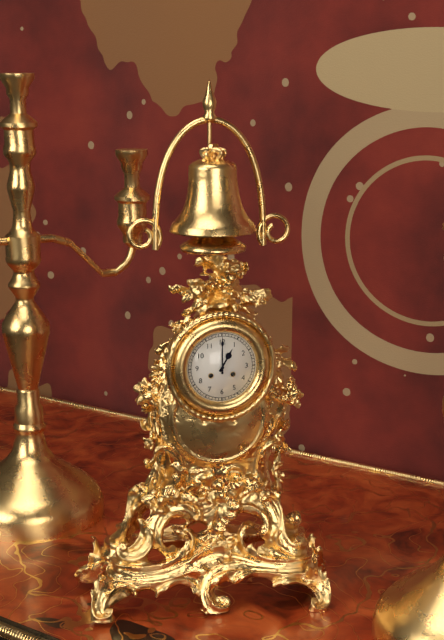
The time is **1:00**
